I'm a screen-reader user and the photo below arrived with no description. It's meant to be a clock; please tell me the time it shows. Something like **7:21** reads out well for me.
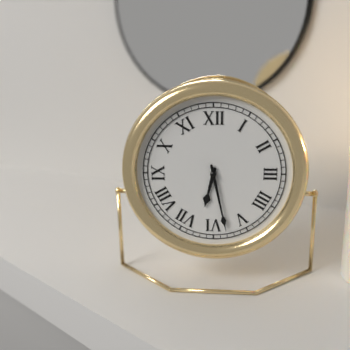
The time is **6:28**
